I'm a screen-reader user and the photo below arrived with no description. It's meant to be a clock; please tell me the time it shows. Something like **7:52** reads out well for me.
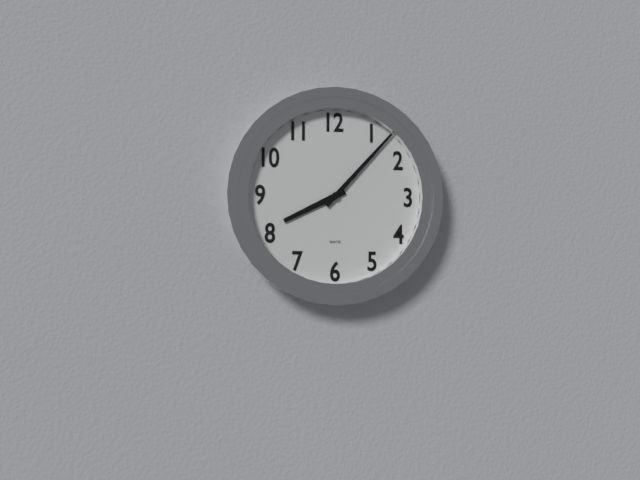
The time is **8:07**
